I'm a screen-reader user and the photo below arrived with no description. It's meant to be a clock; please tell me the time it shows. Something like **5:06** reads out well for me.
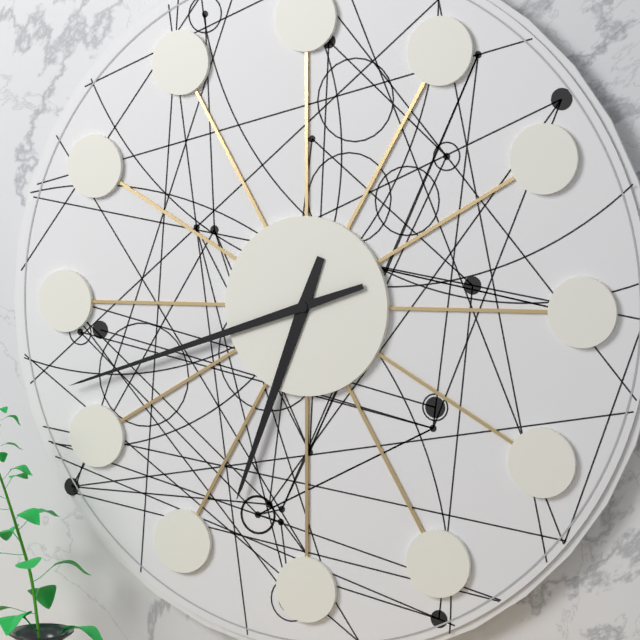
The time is **6:42**
